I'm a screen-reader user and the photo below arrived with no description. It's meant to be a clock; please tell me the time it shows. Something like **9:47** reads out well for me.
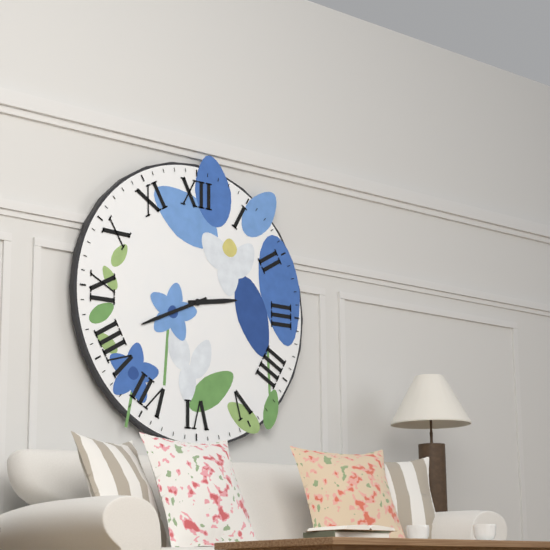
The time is **2:41**
